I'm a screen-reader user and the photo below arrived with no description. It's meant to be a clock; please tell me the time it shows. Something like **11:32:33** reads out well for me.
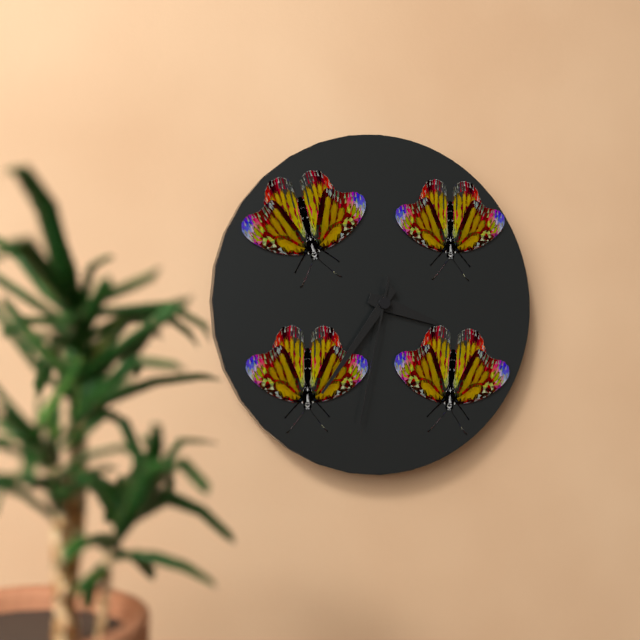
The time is **3:36:32**
